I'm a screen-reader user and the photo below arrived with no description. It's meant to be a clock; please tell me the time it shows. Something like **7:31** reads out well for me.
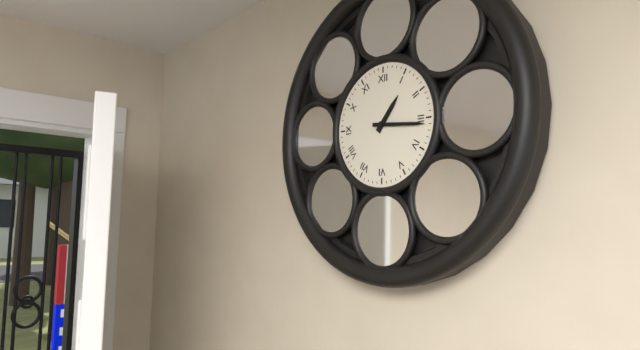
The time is **1:16**
